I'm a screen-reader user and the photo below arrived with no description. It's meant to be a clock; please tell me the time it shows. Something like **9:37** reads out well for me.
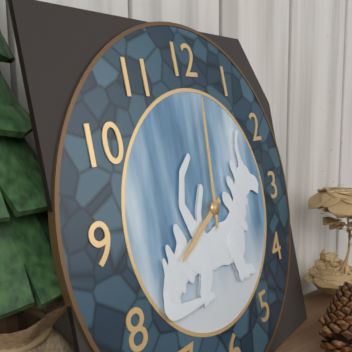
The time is **8:01**
